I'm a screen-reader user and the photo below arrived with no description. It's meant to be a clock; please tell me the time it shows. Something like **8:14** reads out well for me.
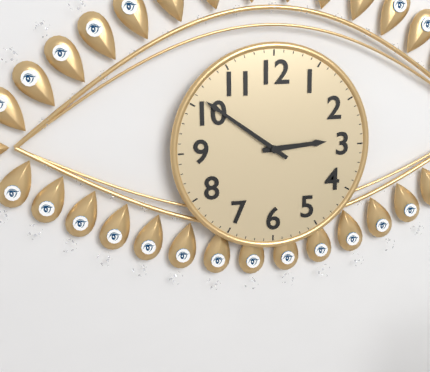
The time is **2:51**
